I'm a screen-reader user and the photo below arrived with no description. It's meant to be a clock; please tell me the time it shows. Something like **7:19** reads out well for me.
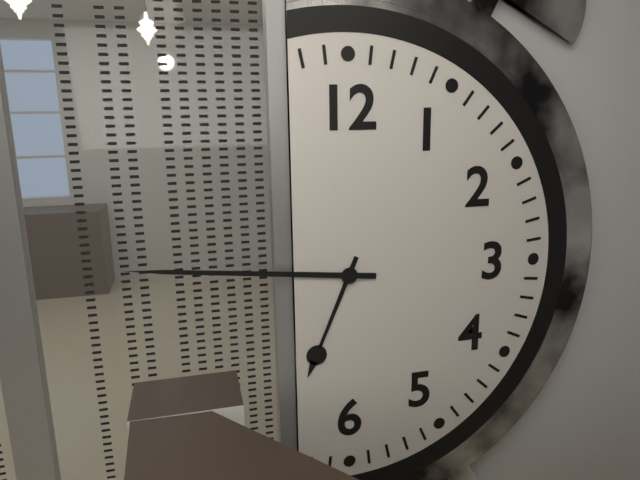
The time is **6:46**
